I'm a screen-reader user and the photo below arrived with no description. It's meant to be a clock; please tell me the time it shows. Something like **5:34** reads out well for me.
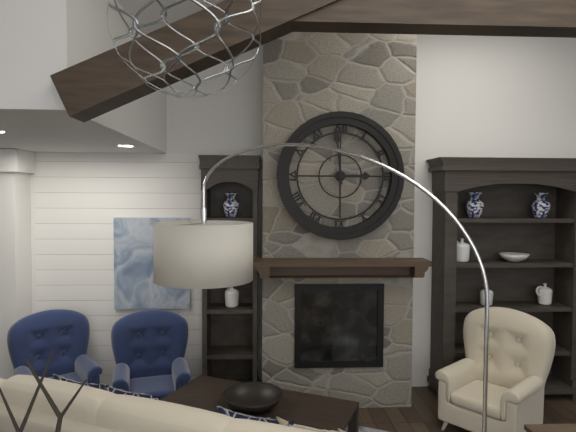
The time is **2:59**
